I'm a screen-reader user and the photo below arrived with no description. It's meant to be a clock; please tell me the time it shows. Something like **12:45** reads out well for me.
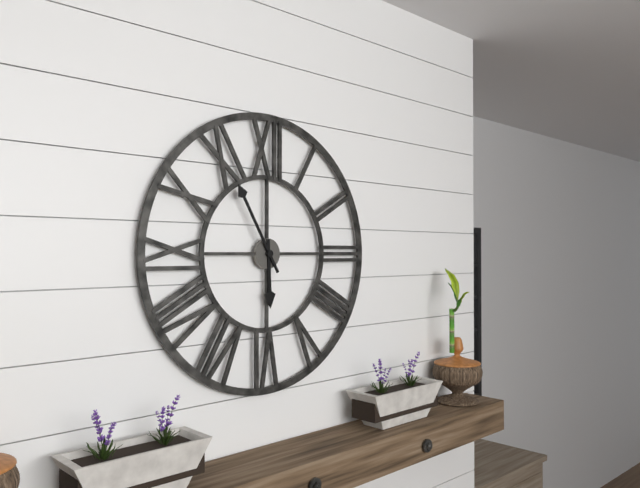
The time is **5:55**
